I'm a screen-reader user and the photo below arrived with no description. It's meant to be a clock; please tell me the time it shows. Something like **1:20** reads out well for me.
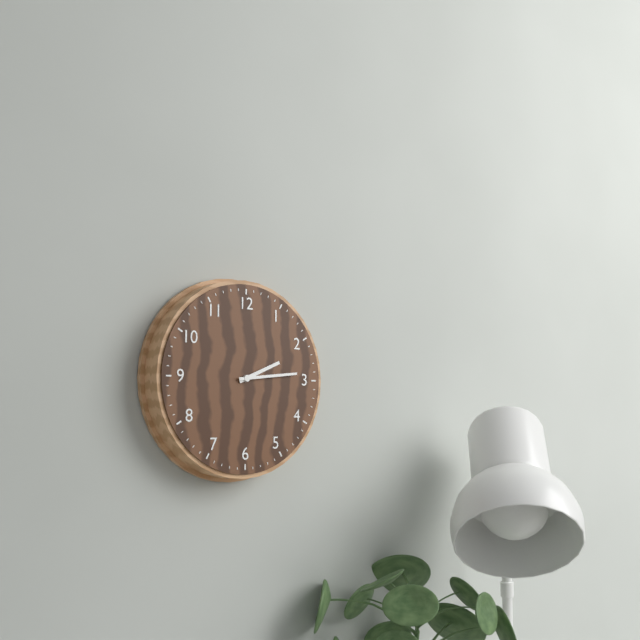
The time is **2:14**
